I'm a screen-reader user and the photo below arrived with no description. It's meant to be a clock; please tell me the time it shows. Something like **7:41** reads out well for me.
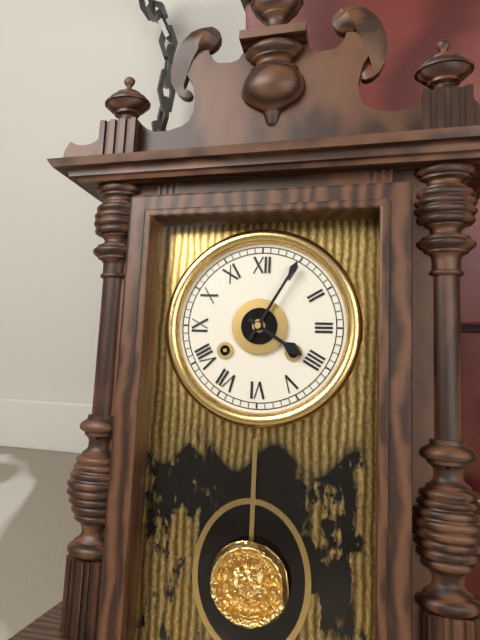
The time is **4:05**
